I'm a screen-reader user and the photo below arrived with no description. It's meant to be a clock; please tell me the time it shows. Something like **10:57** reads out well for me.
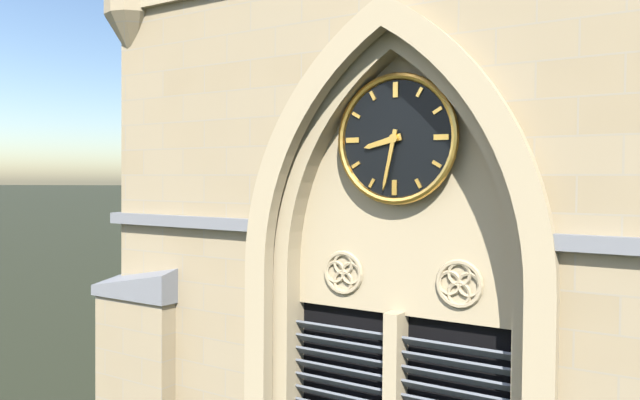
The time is **8:32**
